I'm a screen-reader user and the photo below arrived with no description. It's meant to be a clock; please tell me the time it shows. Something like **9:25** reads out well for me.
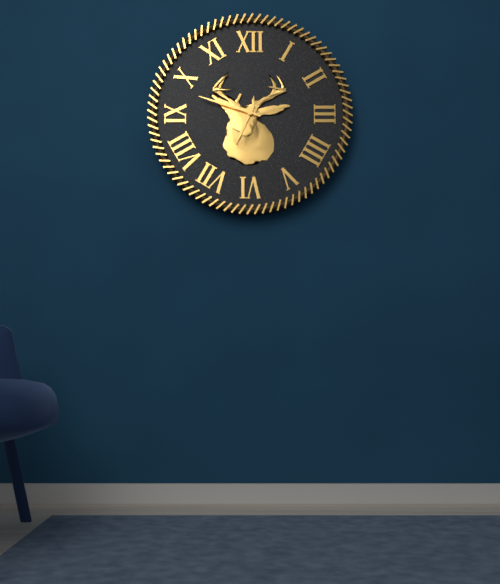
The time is **6:48**
